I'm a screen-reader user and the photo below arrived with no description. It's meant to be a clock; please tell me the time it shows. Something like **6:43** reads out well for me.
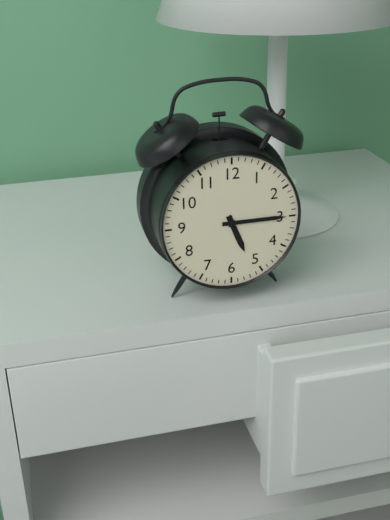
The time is **5:15**
